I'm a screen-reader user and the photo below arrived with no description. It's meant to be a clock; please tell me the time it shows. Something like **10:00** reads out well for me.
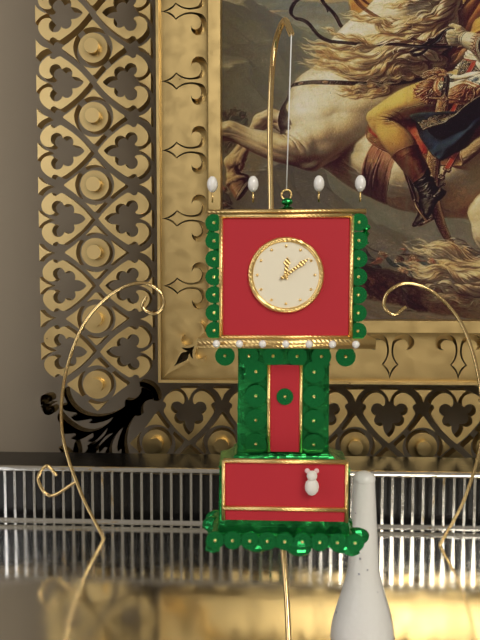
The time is **12:09**
